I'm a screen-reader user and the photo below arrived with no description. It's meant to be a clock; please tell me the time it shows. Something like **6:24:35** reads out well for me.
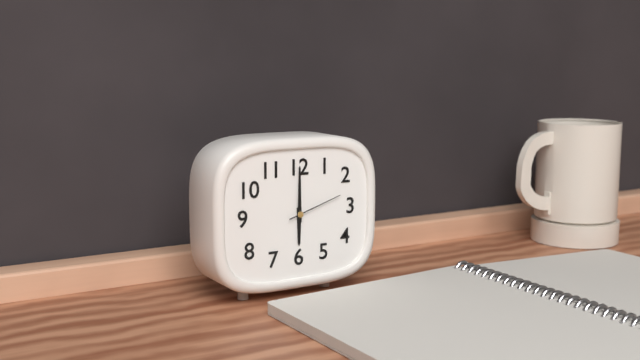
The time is **6:00:12**
